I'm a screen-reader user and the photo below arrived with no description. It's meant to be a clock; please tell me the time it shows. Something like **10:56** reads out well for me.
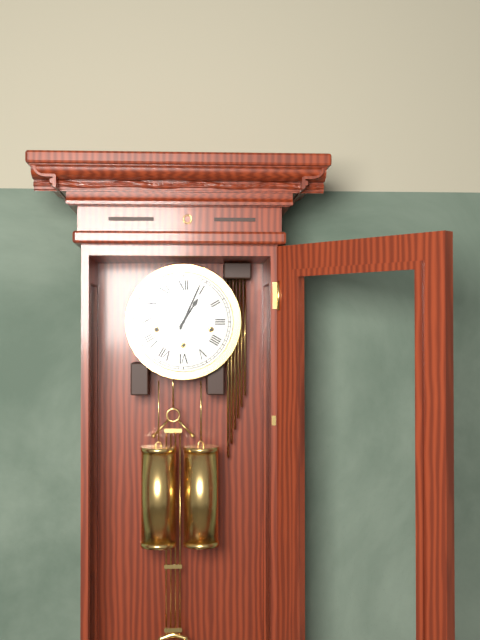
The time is **1:04**
